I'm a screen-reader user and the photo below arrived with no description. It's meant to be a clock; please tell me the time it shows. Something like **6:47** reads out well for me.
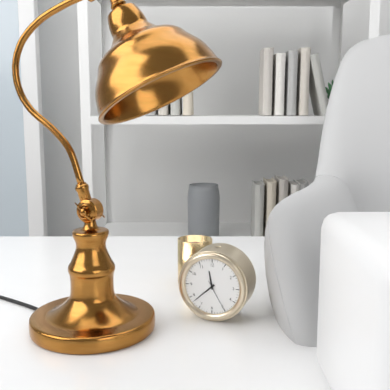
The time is **11:38**
